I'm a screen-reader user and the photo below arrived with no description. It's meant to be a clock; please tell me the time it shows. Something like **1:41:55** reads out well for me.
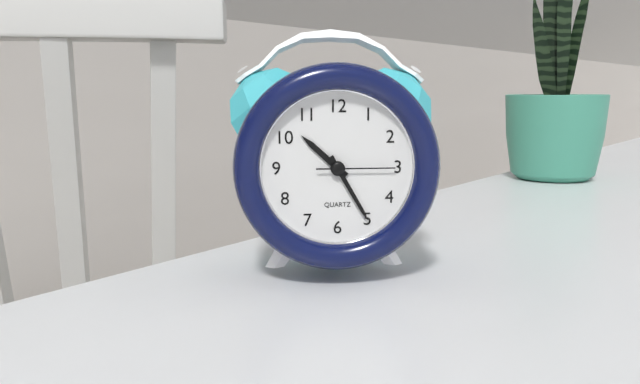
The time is **10:25:15**
